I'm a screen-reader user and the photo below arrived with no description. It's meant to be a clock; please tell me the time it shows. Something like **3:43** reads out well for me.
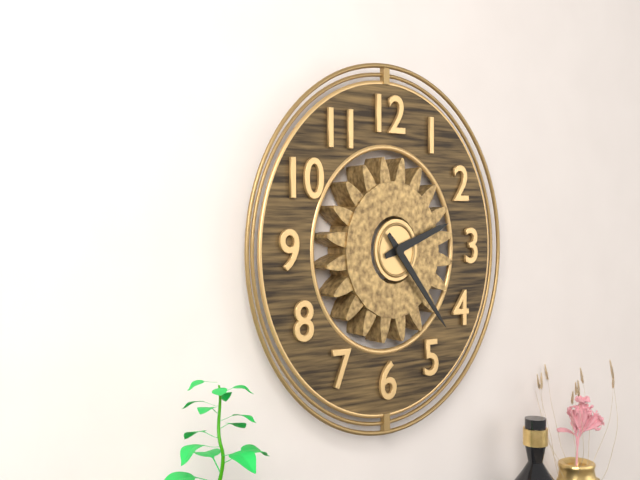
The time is **2:23**
